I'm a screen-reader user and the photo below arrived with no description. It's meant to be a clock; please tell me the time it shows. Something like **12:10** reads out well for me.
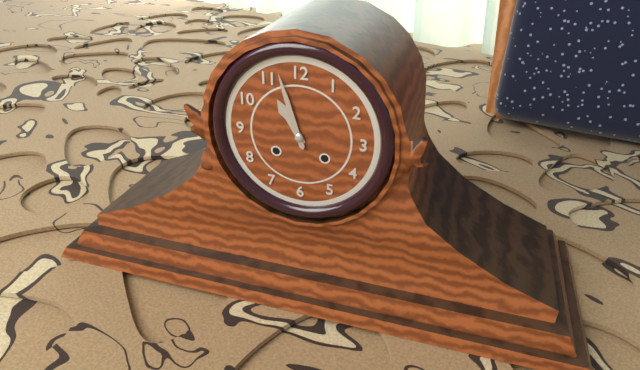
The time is **10:57**
